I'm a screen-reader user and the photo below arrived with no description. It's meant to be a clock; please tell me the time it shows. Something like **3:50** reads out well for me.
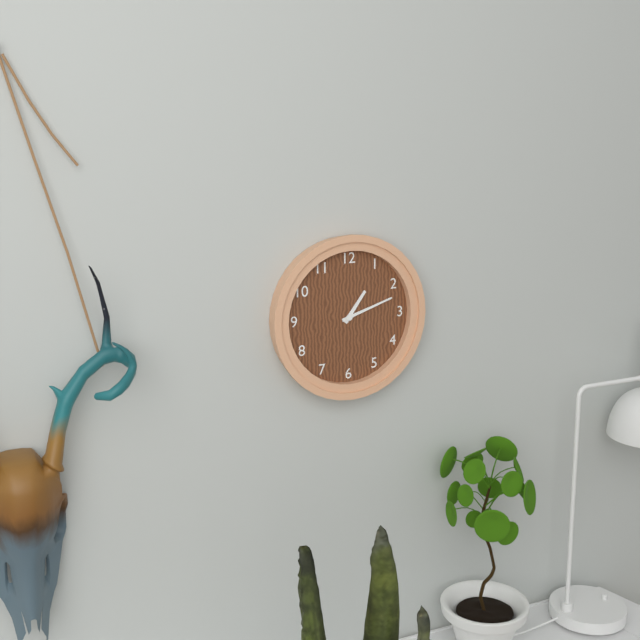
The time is **1:12**
